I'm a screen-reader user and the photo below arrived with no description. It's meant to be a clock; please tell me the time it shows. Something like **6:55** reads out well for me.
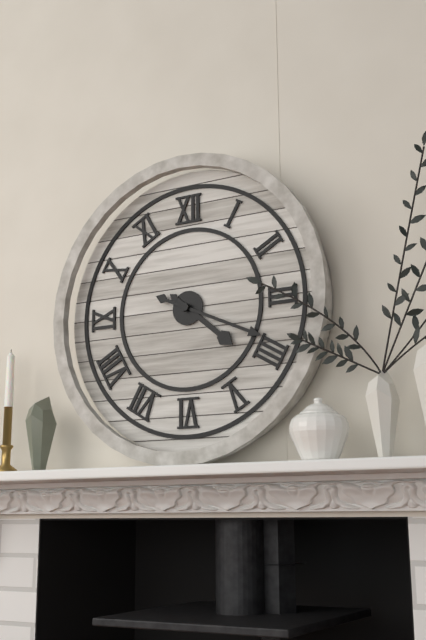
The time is **4:19**
